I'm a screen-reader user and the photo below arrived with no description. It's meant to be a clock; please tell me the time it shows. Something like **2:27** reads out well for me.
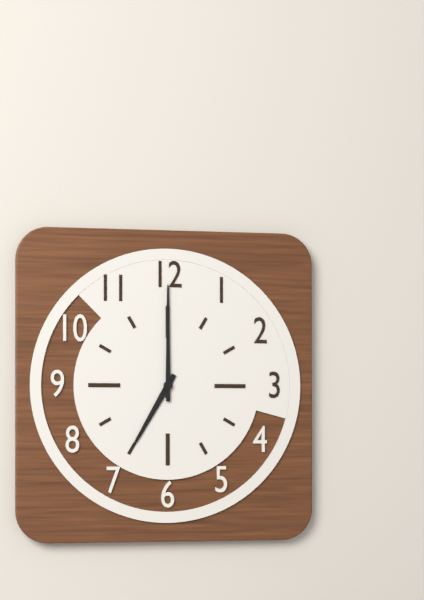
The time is **7:00**
